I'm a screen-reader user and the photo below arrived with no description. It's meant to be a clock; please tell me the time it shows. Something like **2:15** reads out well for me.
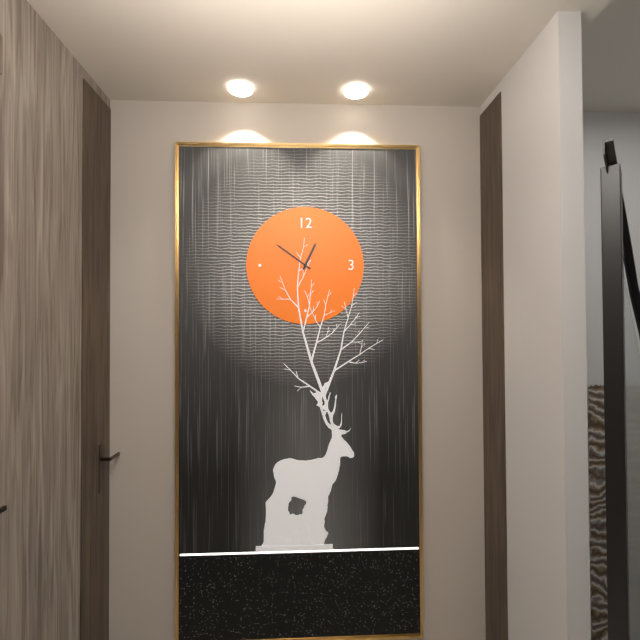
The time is **12:51**
